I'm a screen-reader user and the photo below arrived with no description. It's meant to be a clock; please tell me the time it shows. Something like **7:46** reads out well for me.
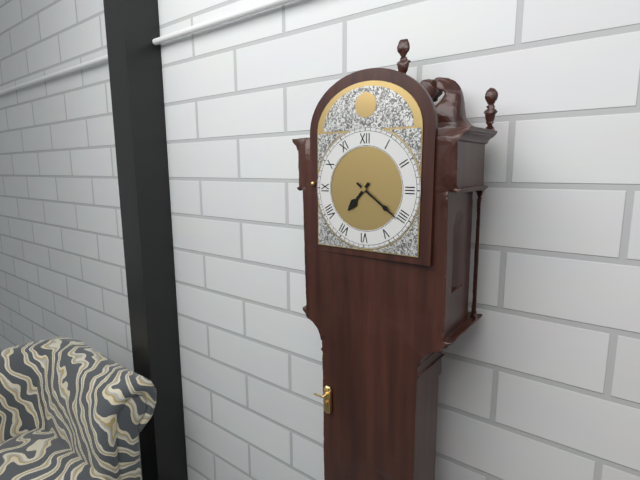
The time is **7:21**
